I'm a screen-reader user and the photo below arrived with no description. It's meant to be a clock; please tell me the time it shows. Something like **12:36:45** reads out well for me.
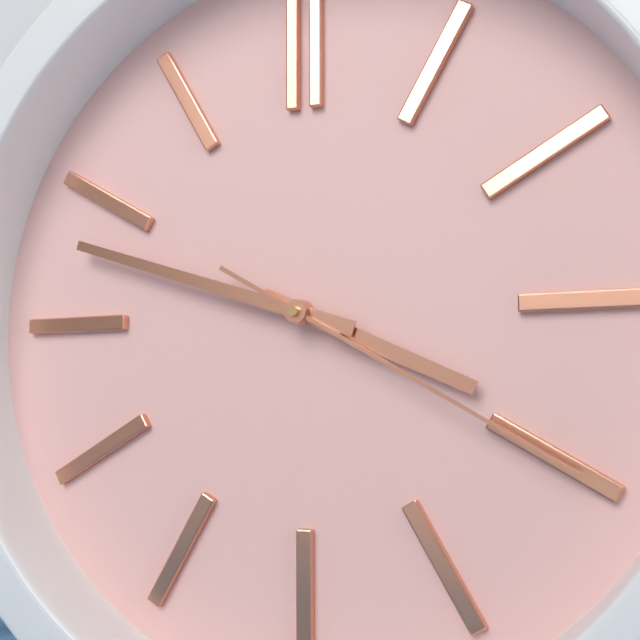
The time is **3:48:20**
